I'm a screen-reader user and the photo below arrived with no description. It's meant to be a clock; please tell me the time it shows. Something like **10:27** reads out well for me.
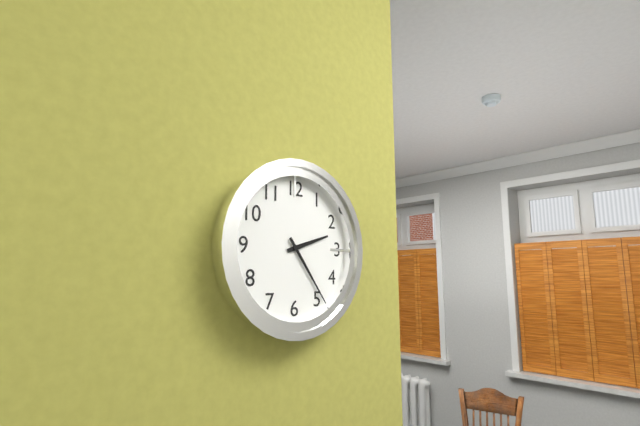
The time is **2:24**
